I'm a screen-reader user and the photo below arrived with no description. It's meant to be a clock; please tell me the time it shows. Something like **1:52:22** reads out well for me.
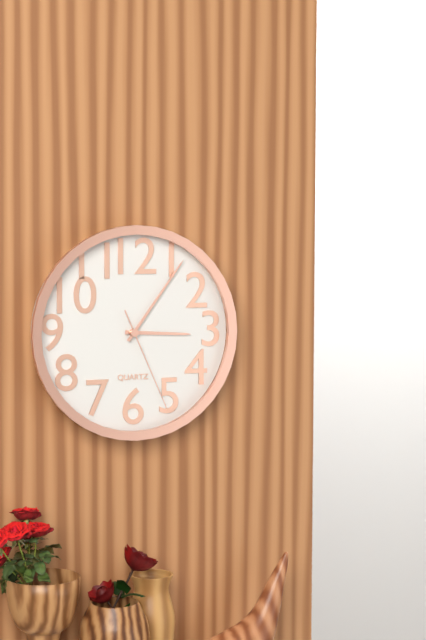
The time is **3:06:26**
